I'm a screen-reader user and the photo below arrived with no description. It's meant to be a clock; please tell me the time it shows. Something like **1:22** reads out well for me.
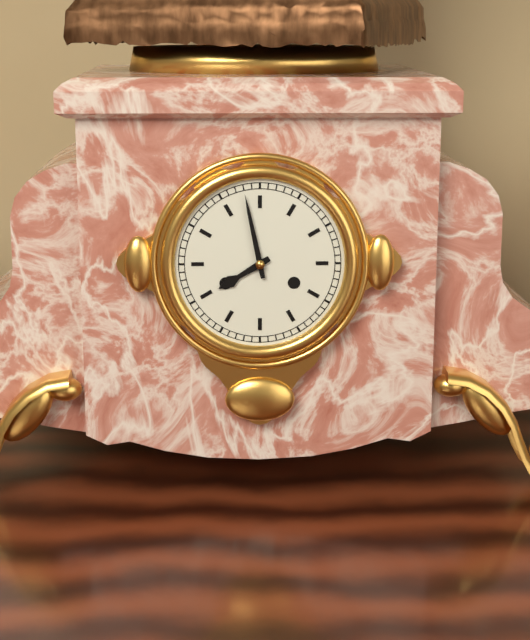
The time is **7:58**
